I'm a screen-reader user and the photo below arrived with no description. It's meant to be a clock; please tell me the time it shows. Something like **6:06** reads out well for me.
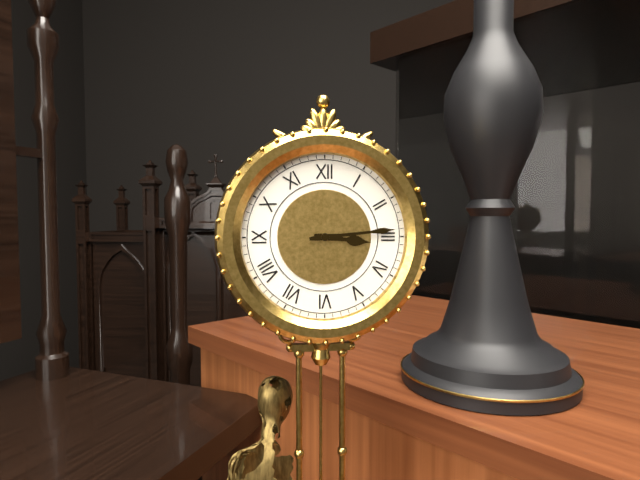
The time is **3:14**
